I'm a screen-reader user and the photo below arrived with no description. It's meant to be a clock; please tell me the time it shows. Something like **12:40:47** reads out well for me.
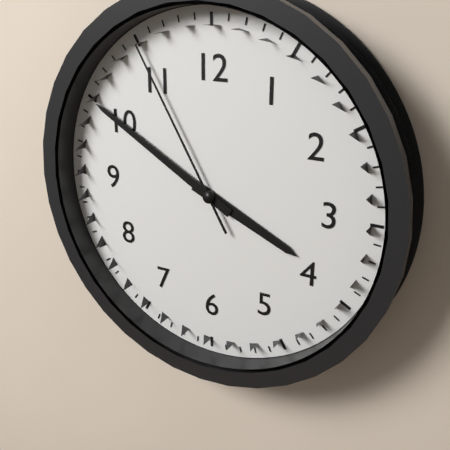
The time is **3:50:55**
